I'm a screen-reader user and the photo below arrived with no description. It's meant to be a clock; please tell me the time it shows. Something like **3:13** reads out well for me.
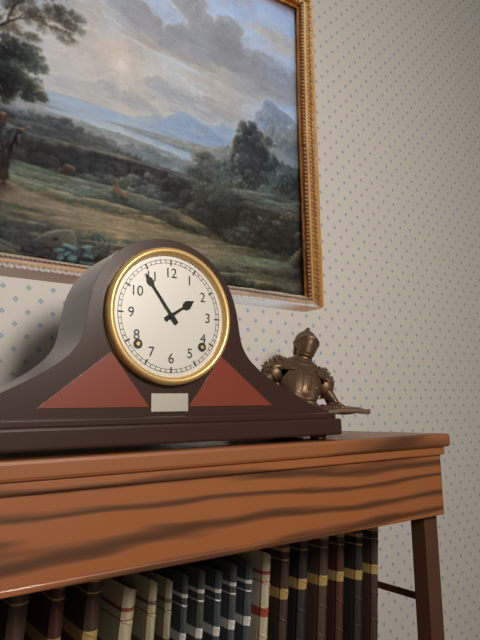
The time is **1:54**
